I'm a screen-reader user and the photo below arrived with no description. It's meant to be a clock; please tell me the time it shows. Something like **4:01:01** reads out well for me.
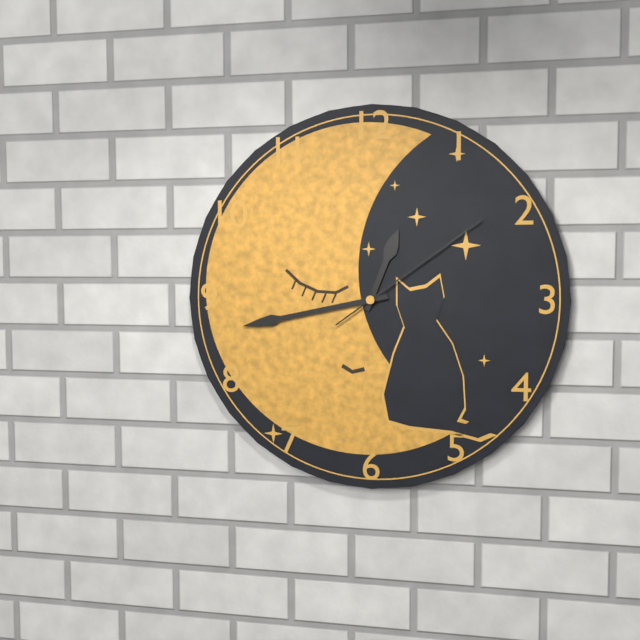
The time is **12:43:09**
